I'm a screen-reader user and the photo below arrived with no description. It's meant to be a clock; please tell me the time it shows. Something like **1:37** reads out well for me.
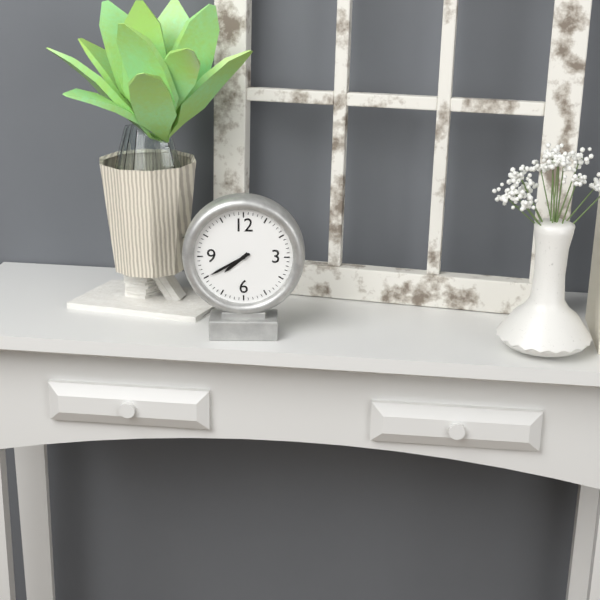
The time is **7:40**
